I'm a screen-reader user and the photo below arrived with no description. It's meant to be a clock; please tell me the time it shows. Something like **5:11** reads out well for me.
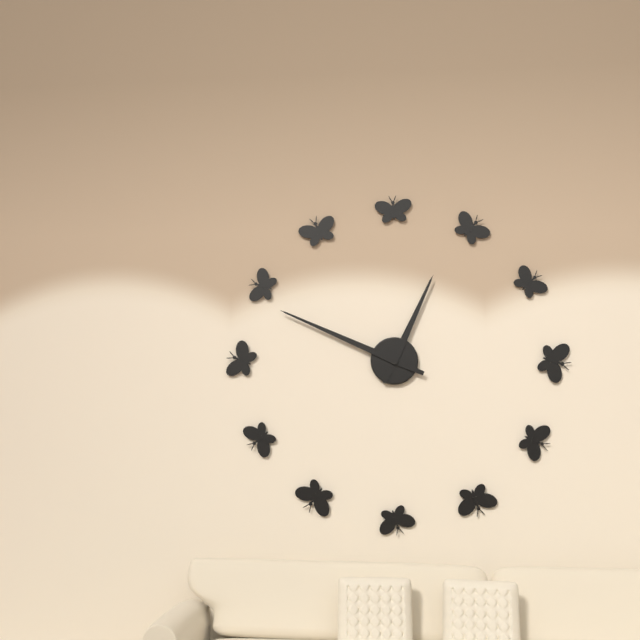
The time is **12:49**
